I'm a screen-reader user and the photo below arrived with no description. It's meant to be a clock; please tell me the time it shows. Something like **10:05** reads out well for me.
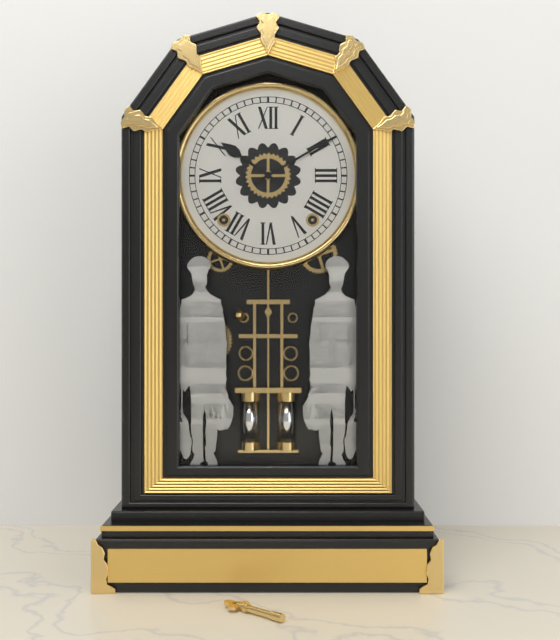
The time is **10:10**
